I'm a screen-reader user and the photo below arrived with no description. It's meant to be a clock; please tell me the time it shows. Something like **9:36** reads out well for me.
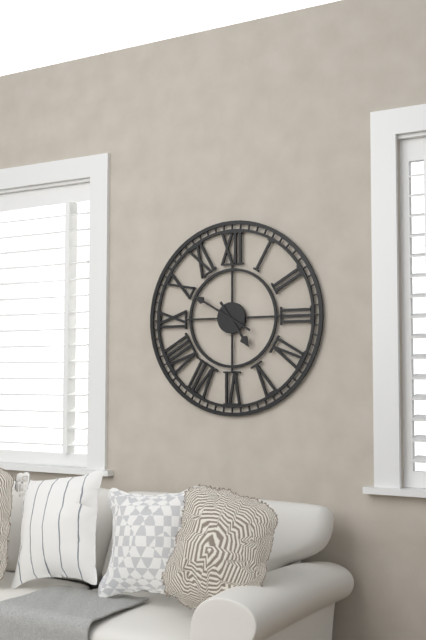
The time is **4:50**
